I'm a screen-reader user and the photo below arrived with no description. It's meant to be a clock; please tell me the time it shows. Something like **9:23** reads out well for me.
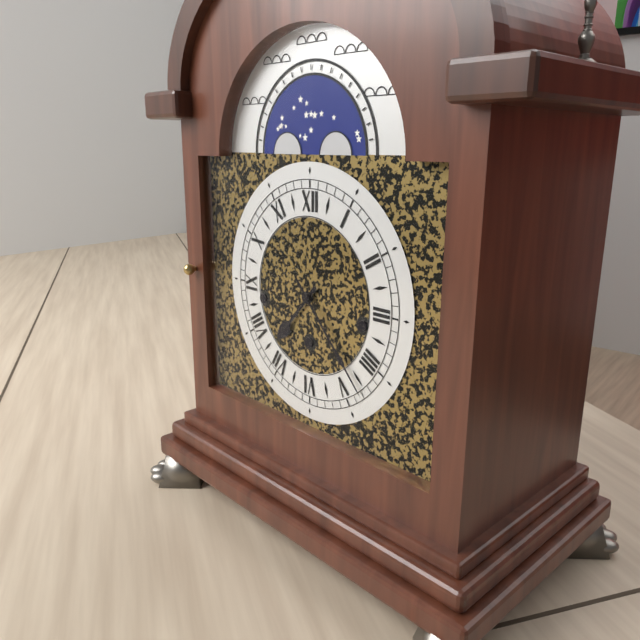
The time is **7:23**
